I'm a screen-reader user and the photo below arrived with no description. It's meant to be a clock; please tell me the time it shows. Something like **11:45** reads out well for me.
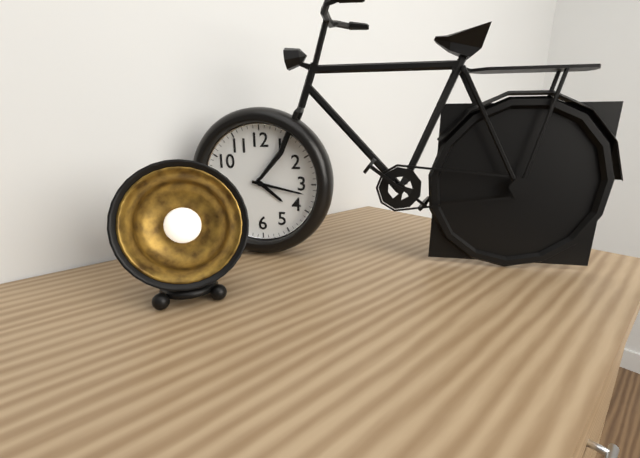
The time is **4:17**
